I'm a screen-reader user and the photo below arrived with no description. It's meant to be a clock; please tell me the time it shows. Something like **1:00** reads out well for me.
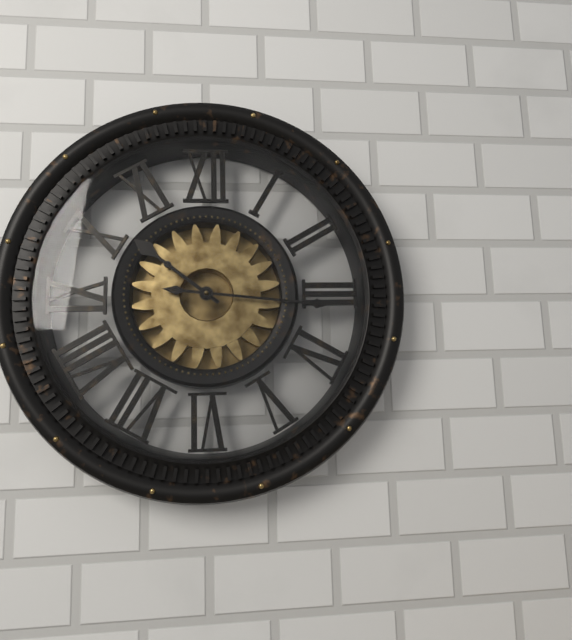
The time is **10:16**
